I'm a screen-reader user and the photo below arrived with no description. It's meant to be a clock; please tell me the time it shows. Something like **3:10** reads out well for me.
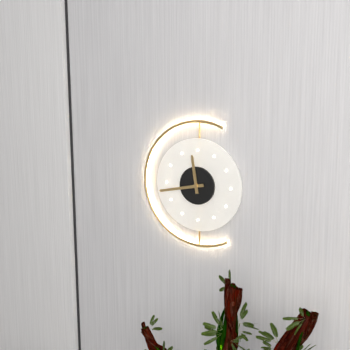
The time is **11:43**
